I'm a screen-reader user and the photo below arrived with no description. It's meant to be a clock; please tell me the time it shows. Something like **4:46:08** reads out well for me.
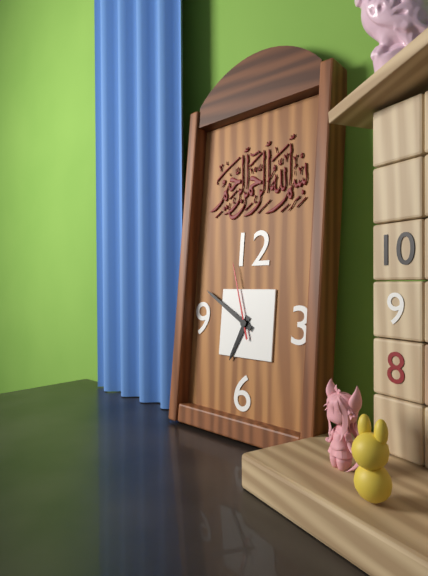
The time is **6:50:57**
